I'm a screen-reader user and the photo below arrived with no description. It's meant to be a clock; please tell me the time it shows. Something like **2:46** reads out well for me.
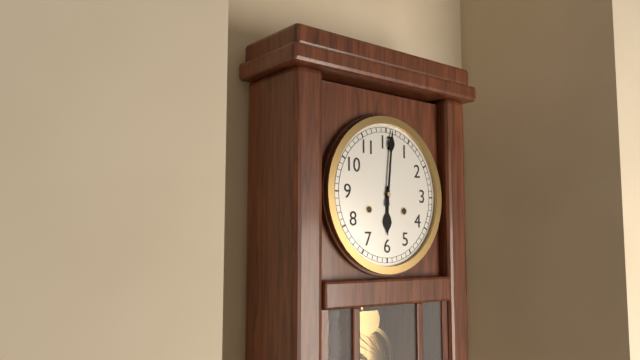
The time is **6:01**
